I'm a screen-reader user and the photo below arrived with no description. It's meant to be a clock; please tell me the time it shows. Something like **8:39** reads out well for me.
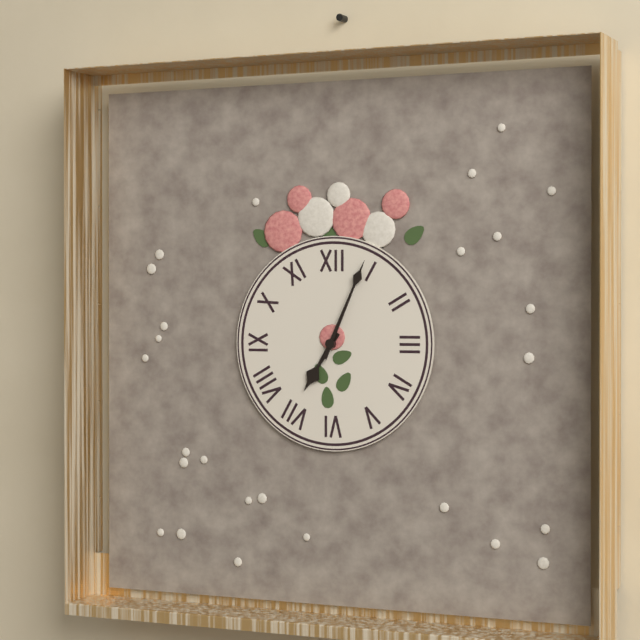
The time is **7:04**
